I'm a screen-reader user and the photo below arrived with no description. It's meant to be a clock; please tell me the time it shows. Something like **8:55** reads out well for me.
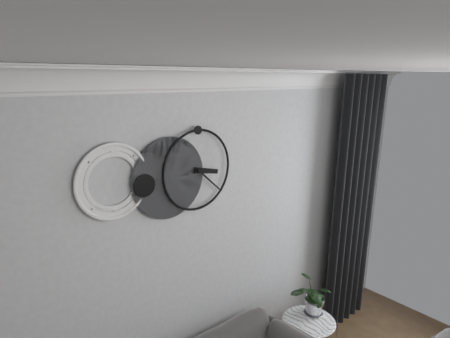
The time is **3:22**
